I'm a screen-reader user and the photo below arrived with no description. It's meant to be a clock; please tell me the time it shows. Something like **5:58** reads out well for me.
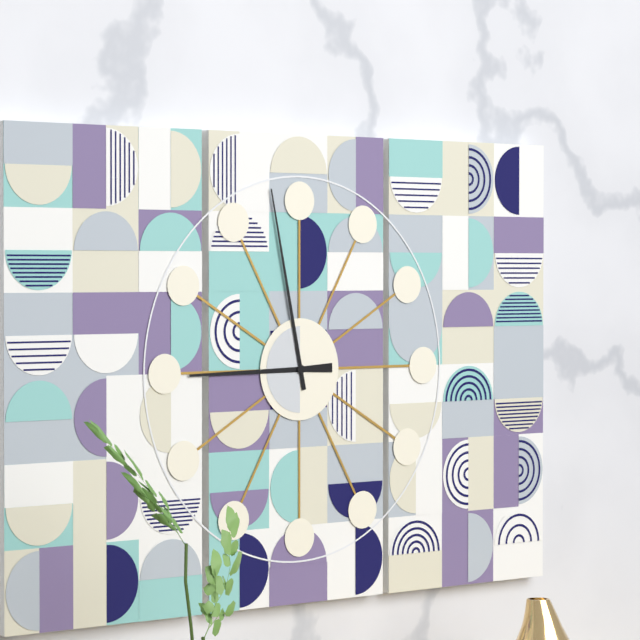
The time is **8:58**
